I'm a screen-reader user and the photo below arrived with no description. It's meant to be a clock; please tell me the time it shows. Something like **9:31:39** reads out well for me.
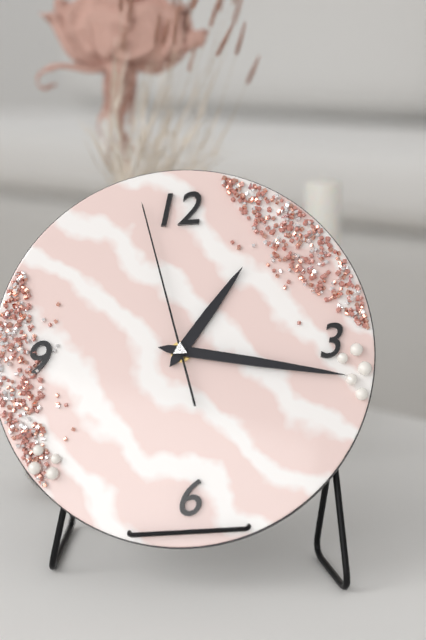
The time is **1:17:58**
